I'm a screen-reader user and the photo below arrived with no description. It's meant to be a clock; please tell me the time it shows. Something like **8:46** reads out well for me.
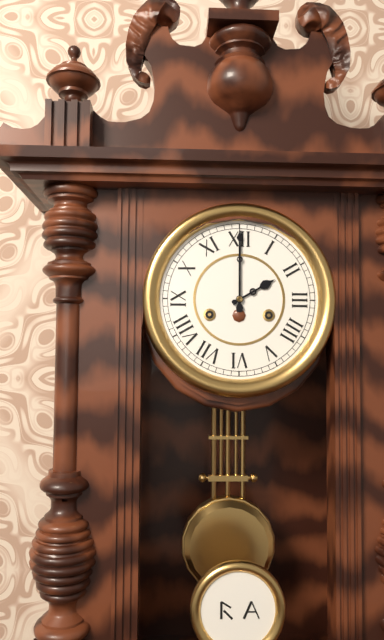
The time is **2:00**
